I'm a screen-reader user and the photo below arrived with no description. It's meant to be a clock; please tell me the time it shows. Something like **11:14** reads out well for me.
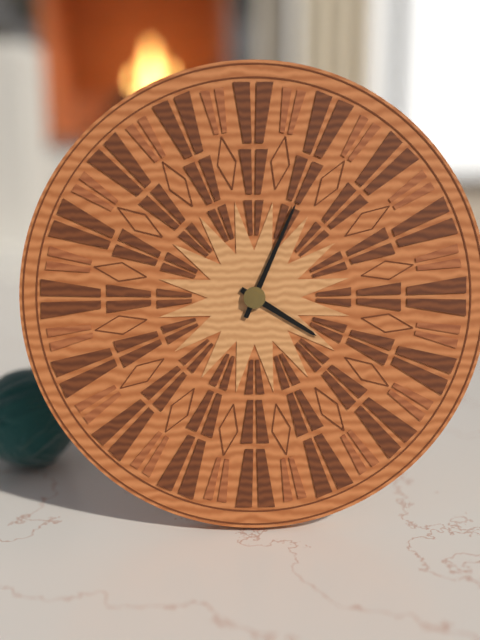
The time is **4:04**
